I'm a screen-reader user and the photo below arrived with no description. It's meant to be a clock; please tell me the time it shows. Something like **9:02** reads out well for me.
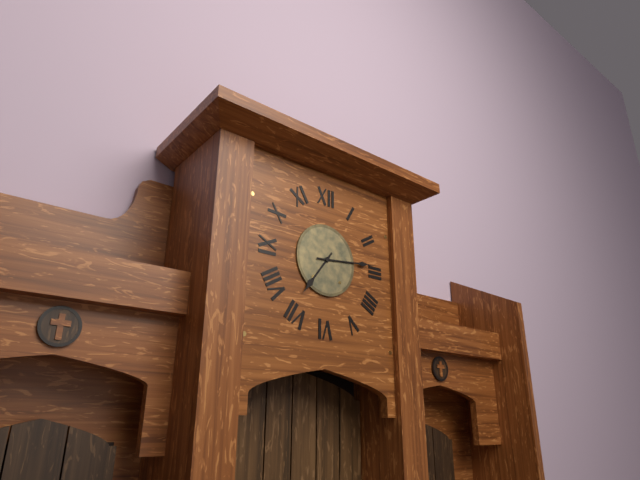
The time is **7:14**
